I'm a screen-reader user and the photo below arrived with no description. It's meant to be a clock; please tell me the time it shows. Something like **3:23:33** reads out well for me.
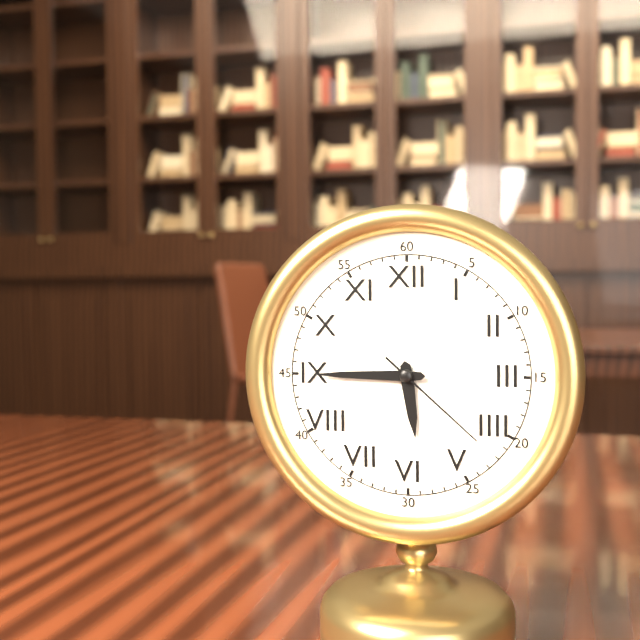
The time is **5:45:22**
